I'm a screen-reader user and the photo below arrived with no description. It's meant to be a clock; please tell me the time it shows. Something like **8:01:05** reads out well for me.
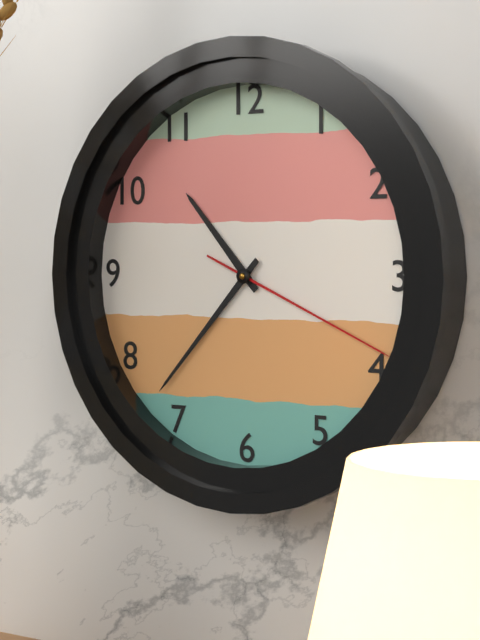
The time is **10:37:19**
